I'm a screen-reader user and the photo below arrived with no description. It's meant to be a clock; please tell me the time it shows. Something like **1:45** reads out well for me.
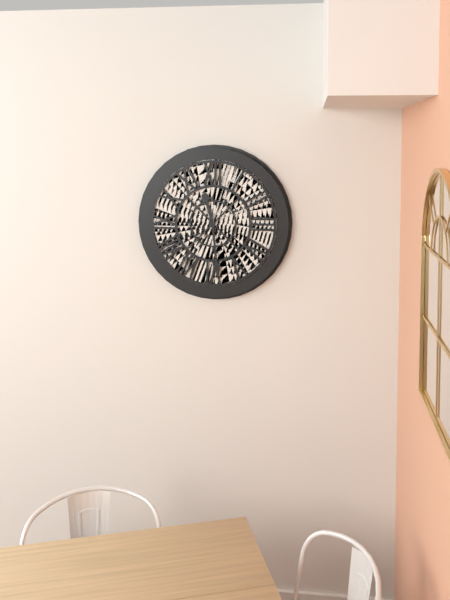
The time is **11:29**
